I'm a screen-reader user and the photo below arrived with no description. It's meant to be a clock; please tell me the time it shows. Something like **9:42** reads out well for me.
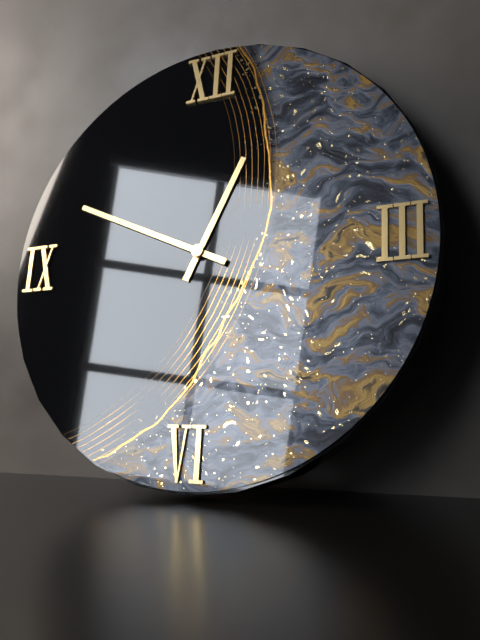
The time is **12:49**
